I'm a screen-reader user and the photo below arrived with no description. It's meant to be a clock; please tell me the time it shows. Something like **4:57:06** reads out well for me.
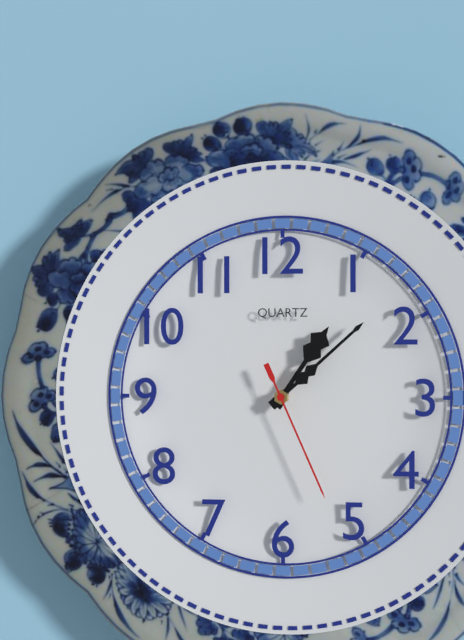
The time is **1:08:26**
